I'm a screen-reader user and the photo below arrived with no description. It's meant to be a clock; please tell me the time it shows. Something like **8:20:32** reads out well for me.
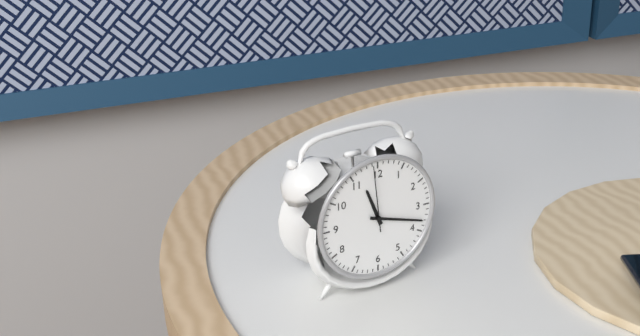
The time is **11:18:59**
